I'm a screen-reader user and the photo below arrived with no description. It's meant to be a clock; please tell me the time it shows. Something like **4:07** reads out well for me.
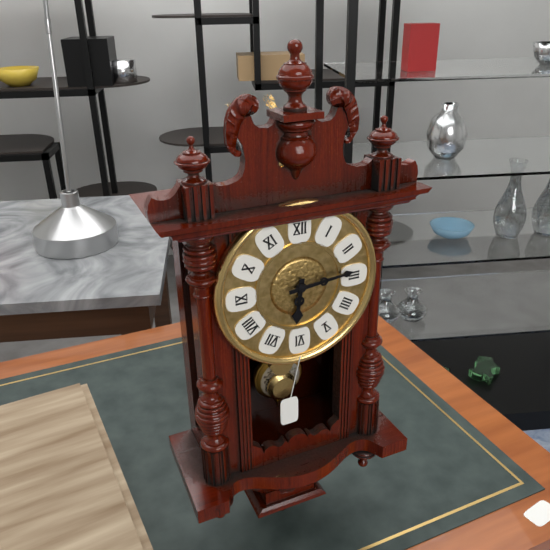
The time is **6:14**
